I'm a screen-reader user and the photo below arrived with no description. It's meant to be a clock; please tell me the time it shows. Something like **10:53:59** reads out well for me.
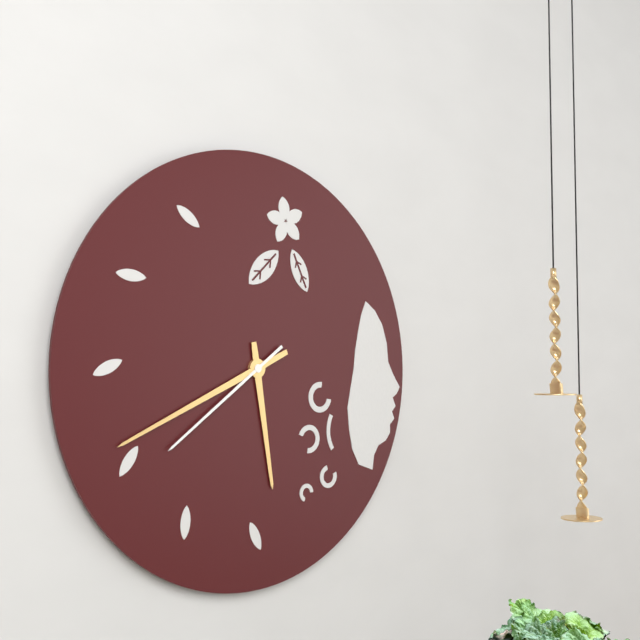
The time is **5:41:39**
